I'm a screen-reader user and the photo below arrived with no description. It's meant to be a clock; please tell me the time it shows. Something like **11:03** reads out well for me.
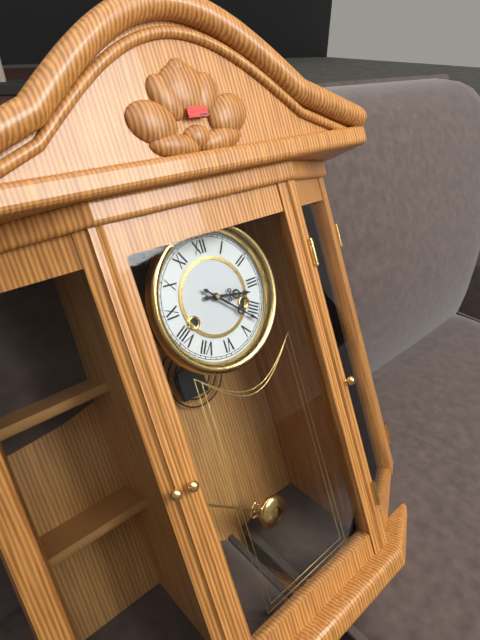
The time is **3:22**
